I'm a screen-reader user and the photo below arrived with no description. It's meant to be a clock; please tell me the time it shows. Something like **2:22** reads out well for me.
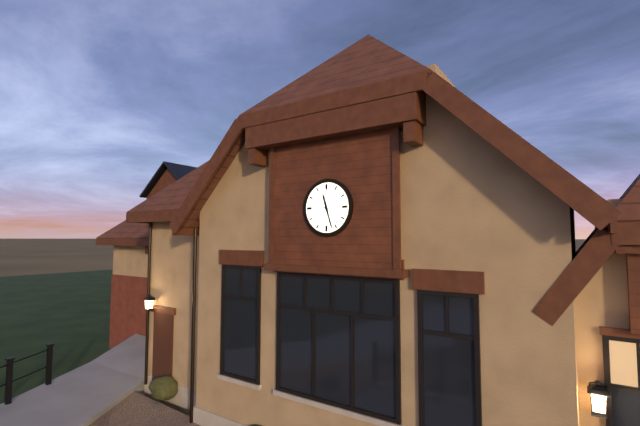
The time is **11:27**
